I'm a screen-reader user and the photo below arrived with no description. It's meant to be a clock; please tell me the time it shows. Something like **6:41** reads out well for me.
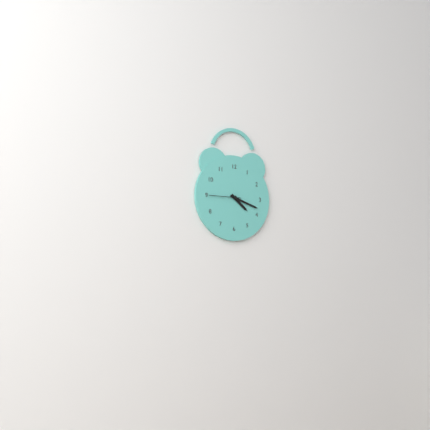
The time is **4:18**
